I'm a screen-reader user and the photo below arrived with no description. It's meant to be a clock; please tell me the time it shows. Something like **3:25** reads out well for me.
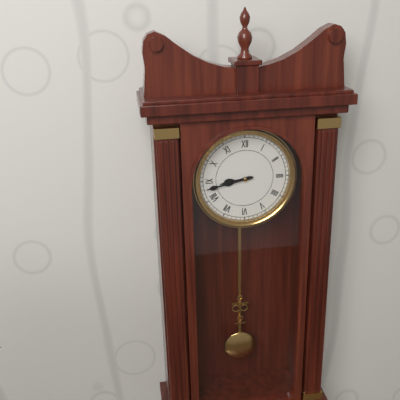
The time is **8:43**
